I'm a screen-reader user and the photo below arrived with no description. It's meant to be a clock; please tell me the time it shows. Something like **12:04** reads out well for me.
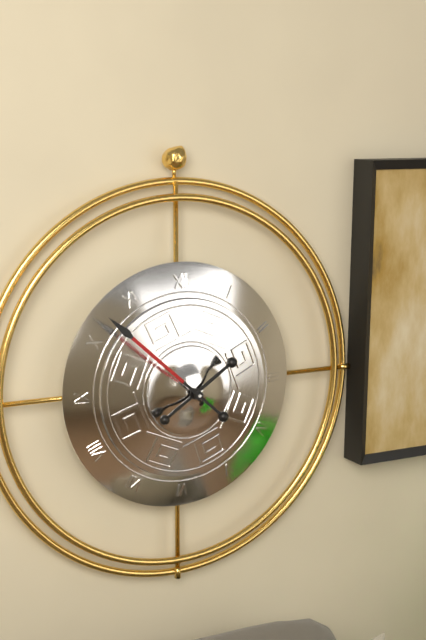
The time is **1:52**
